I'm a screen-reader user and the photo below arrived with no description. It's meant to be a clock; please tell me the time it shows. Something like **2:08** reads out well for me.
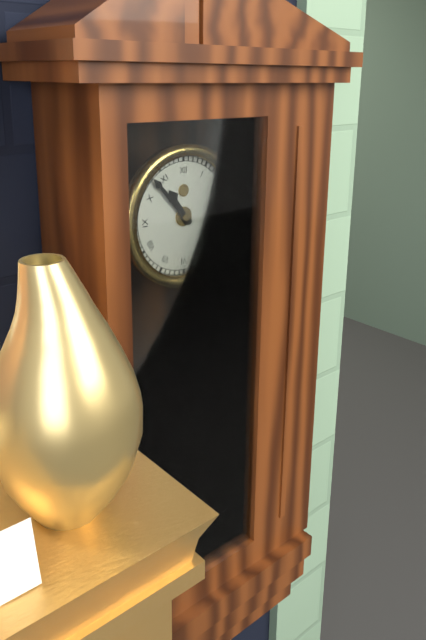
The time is **10:53**
